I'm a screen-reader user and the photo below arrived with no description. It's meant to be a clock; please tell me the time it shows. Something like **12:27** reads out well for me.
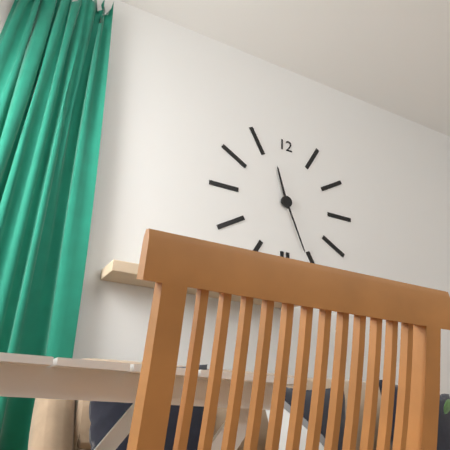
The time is **11:26**
